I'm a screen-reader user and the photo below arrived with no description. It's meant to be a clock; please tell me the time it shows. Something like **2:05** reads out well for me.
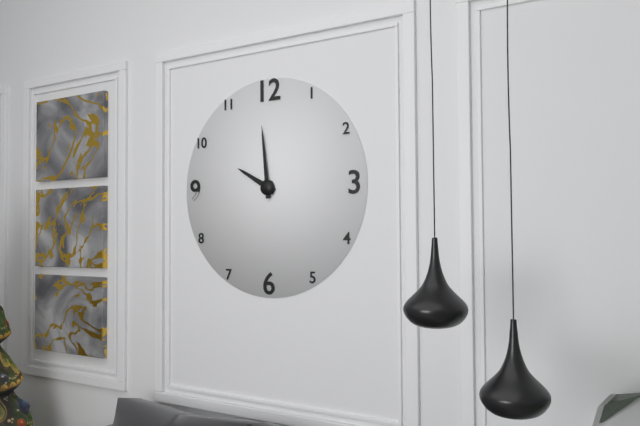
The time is **9:59**
